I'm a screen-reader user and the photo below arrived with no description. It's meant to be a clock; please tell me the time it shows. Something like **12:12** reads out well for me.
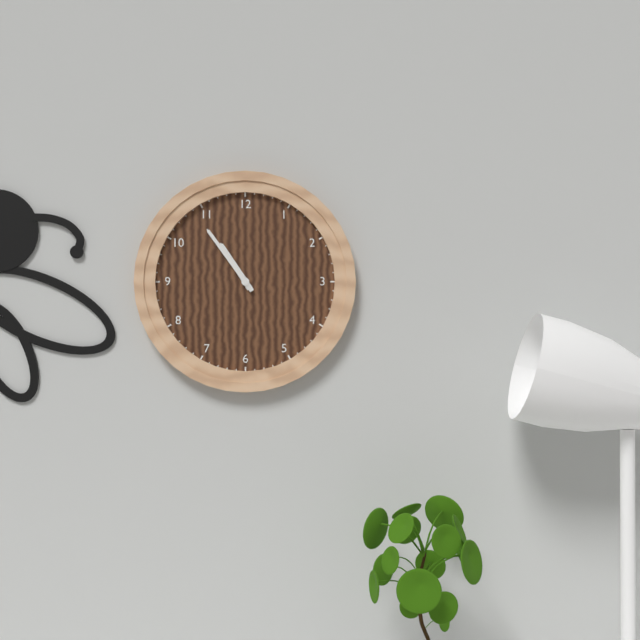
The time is **10:54**
